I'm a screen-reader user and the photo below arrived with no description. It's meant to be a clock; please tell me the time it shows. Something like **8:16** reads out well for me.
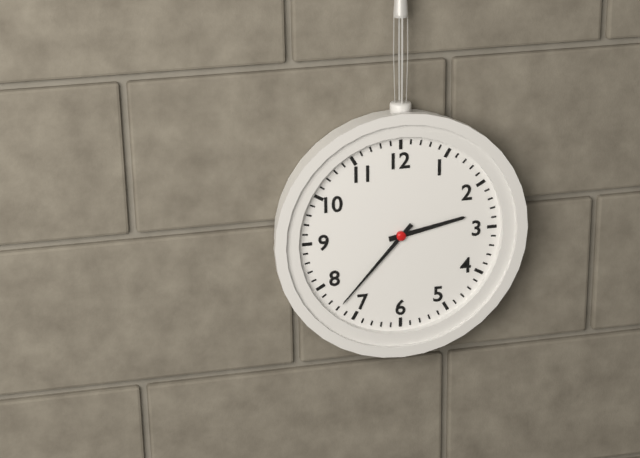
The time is **2:37**
